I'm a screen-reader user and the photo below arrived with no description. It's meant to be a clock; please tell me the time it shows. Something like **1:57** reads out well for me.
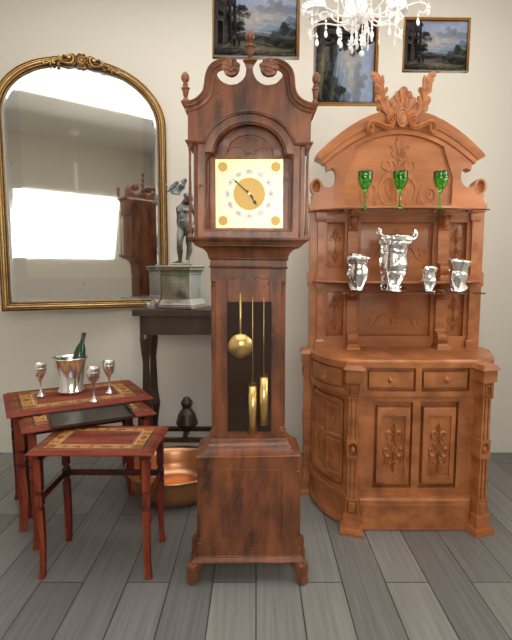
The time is **4:52**
